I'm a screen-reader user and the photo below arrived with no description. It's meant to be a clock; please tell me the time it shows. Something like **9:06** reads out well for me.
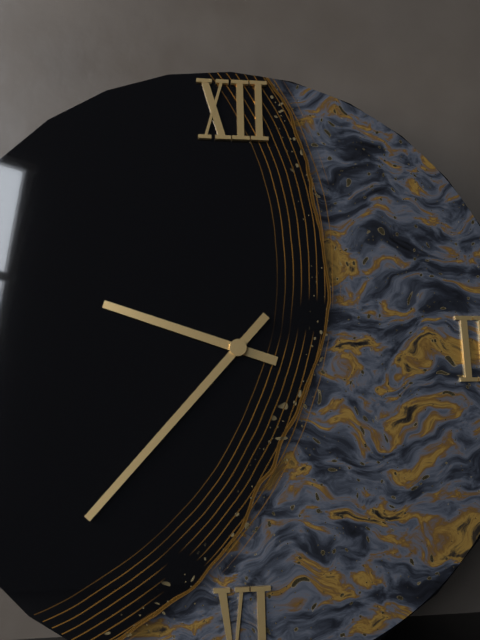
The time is **9:37**
